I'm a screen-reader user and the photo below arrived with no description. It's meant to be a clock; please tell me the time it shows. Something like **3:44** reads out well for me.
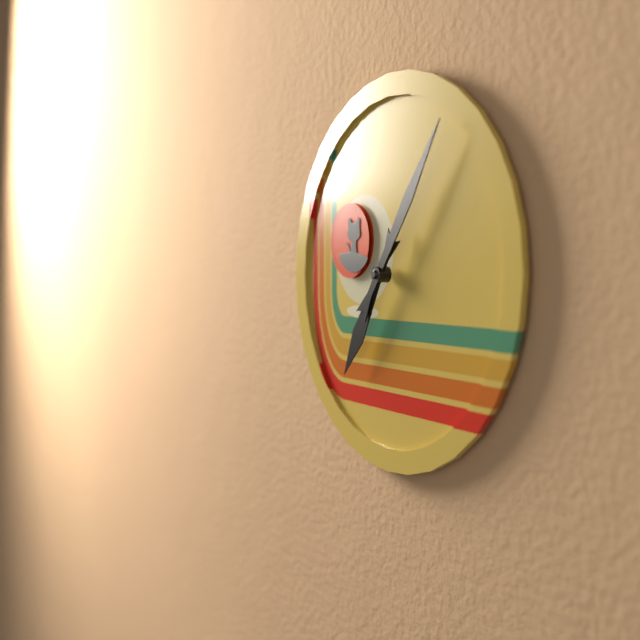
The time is **7:06**
